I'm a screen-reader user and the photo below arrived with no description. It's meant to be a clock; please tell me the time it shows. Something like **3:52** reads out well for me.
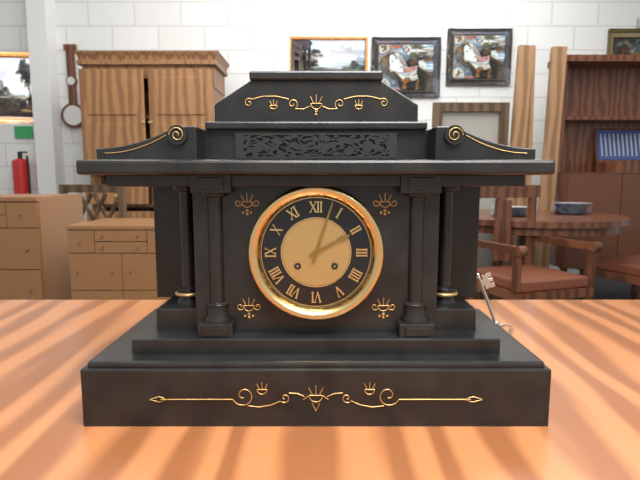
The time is **2:03**
